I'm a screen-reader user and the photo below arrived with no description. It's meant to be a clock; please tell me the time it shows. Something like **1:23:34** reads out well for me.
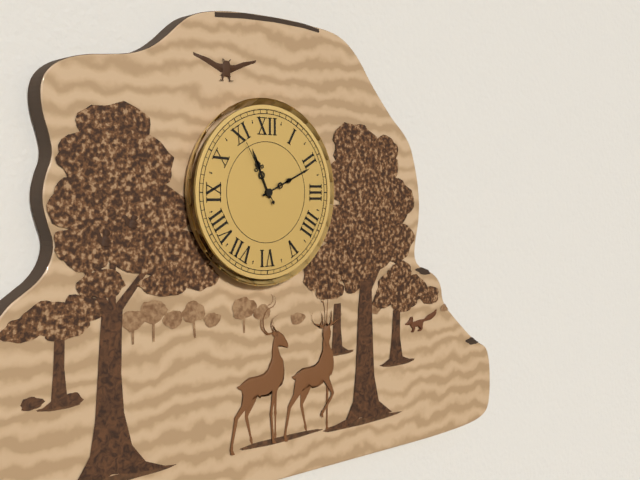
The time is **11:11:55**
